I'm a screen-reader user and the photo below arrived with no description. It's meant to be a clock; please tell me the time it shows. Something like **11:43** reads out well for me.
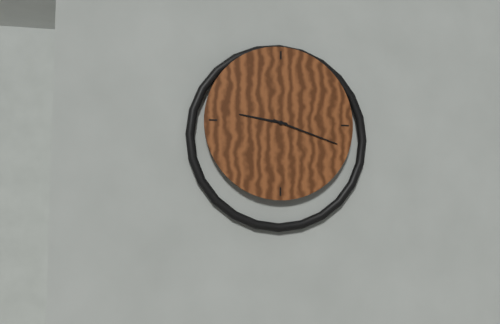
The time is **9:18**
